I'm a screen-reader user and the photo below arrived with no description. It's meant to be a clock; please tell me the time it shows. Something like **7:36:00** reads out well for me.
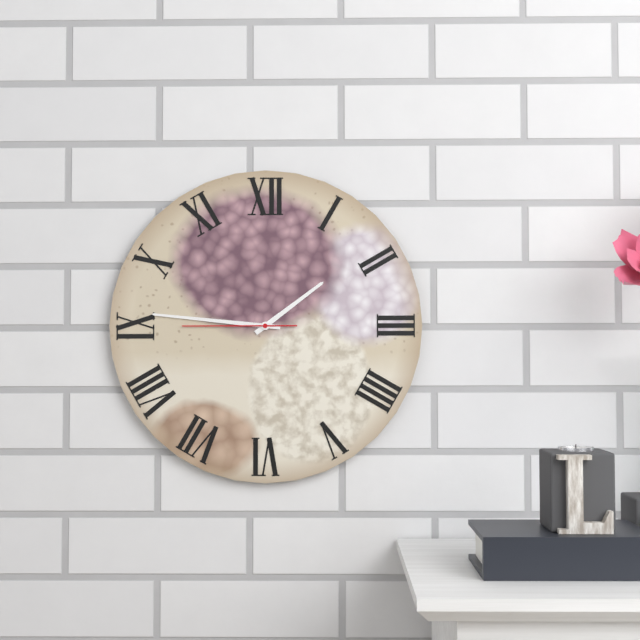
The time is **1:46:45**
